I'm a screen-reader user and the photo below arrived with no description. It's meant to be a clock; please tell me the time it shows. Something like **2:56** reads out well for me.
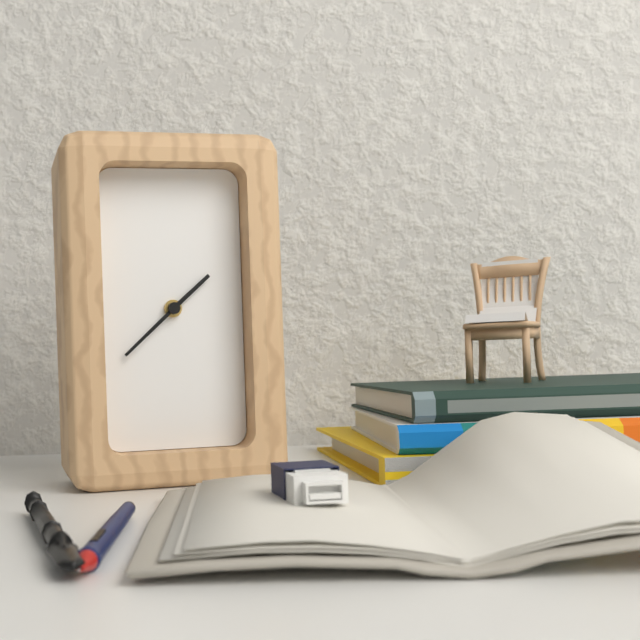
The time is **1:38**
